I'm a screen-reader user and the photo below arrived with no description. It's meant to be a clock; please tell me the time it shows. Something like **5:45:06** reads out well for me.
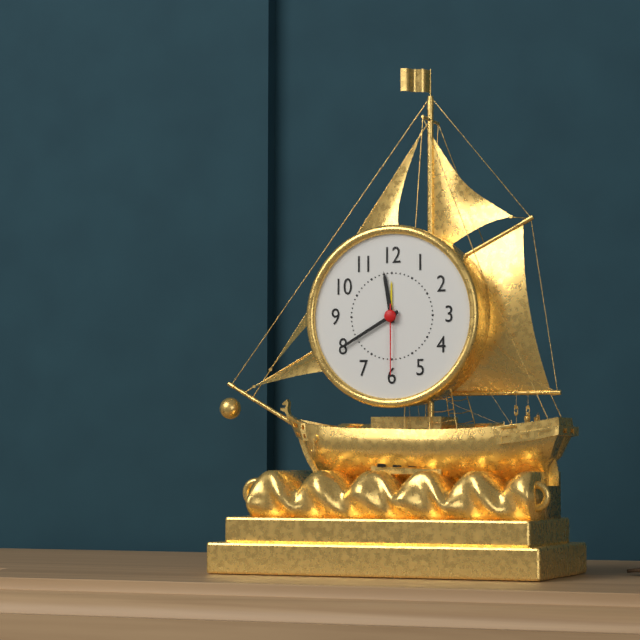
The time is **11:40:30**
